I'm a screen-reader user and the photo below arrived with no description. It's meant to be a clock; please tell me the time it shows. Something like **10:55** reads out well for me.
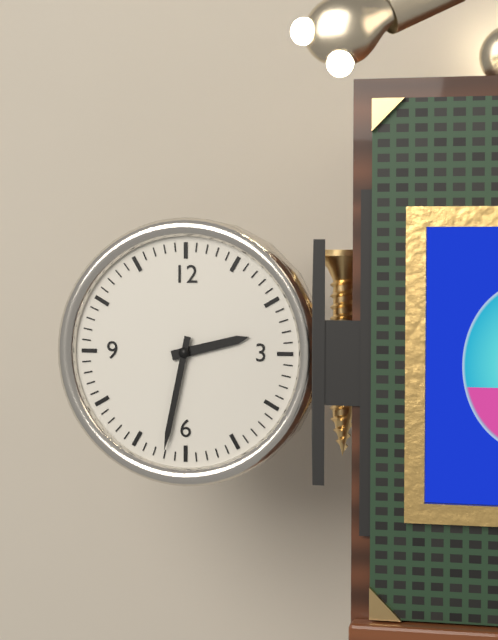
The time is **2:32**
